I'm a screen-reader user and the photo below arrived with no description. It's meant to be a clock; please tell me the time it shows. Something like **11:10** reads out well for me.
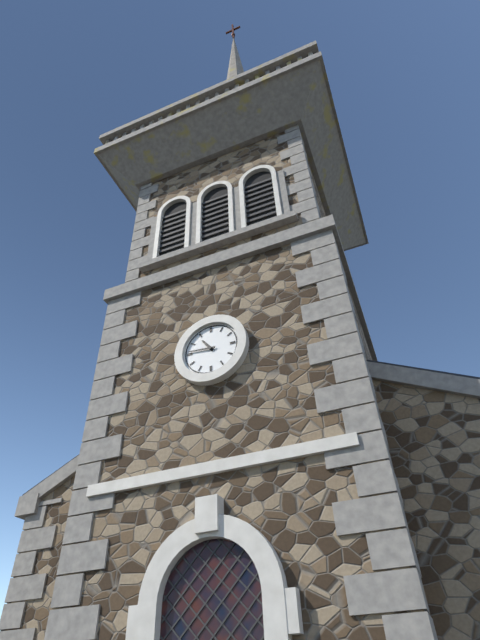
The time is **10:46**
